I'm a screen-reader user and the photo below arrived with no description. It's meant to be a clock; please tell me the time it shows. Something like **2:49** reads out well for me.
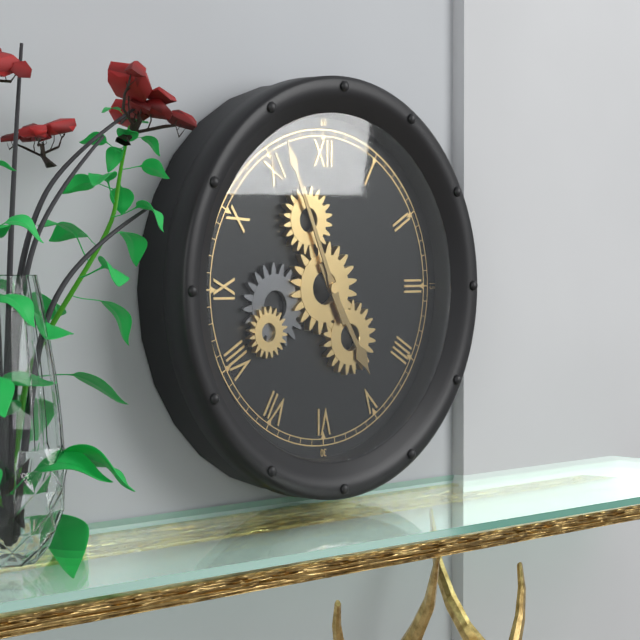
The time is **4:56**
